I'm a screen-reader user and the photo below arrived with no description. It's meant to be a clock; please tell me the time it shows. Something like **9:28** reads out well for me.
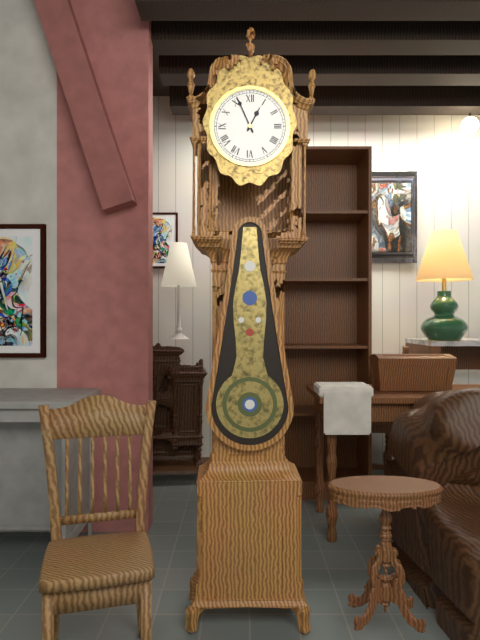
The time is **12:56**
